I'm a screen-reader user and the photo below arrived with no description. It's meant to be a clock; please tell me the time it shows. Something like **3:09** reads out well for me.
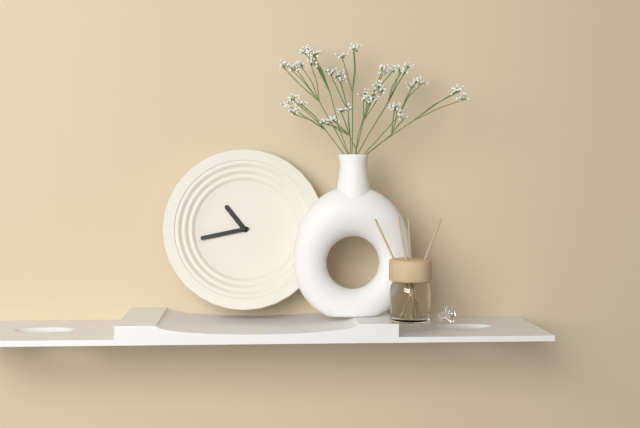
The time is **10:43**
